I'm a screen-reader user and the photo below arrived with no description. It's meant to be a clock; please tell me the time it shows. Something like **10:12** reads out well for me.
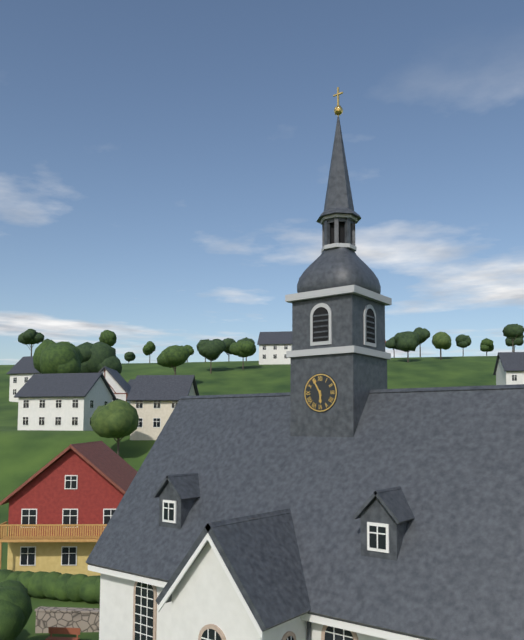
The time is **5:55**
